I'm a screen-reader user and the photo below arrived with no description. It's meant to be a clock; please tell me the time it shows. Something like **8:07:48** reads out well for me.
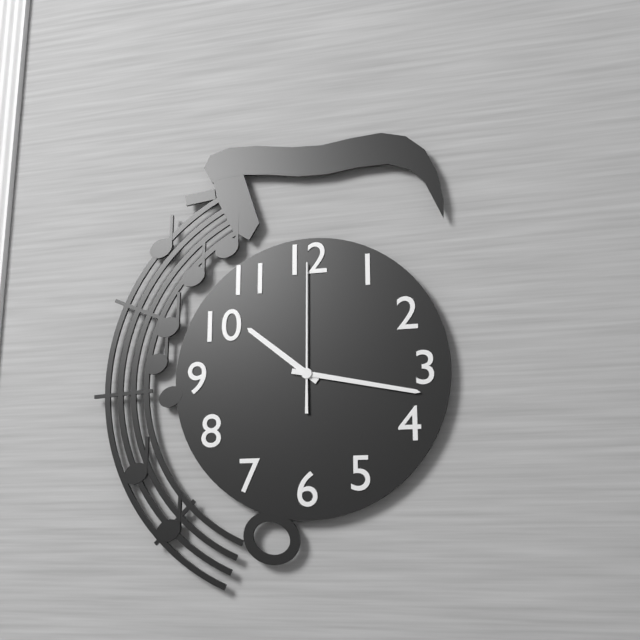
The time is **10:17:00**
